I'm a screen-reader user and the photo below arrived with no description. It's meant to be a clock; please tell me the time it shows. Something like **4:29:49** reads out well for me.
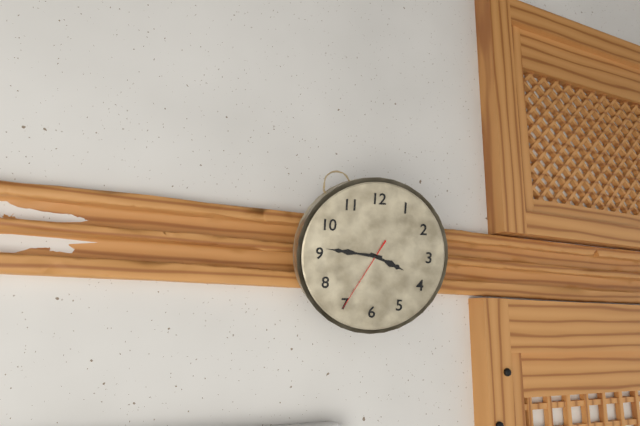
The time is **3:46:35**
